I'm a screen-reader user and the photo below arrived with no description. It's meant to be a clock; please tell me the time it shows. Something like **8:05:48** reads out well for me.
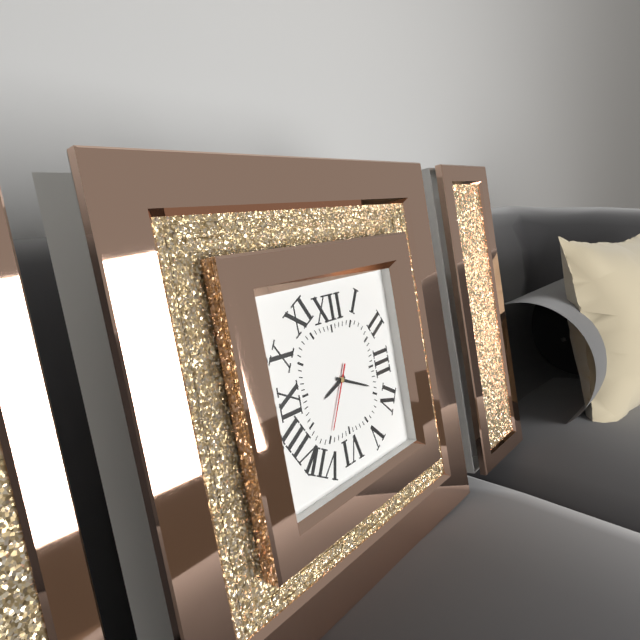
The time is **8:19:35**
